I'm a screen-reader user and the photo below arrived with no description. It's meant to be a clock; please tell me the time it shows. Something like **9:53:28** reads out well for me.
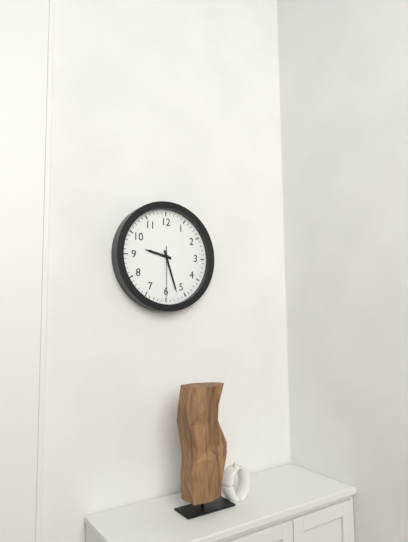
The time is **9:27:30**
